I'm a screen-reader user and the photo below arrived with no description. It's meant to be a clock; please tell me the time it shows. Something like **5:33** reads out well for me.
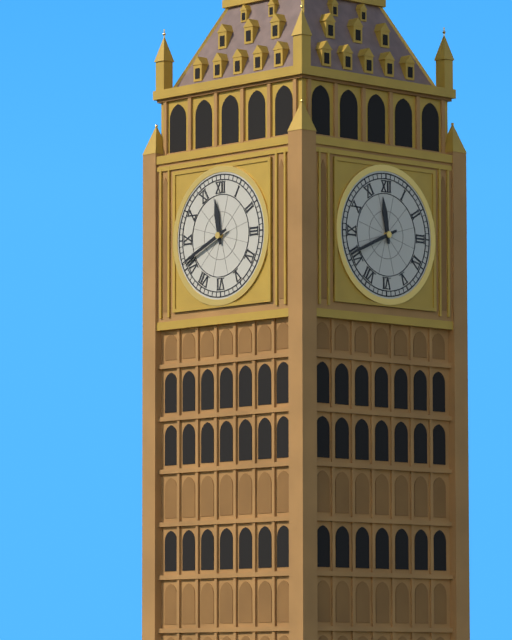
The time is **11:41**
